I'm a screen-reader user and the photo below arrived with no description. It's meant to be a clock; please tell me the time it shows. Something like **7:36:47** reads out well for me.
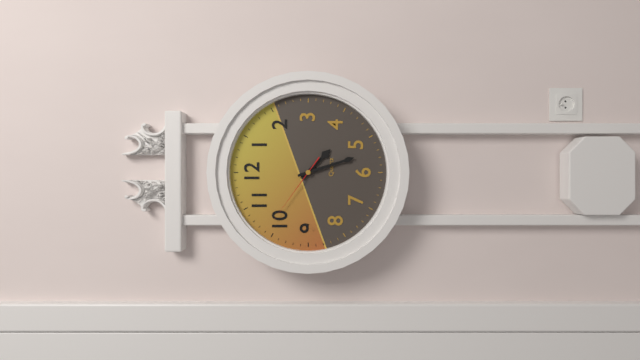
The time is **4:27:51**
